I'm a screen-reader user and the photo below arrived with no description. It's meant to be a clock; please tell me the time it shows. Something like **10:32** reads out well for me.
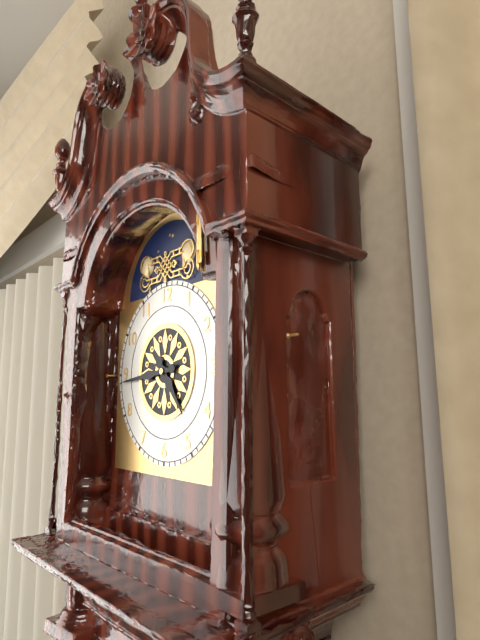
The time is **4:44**
